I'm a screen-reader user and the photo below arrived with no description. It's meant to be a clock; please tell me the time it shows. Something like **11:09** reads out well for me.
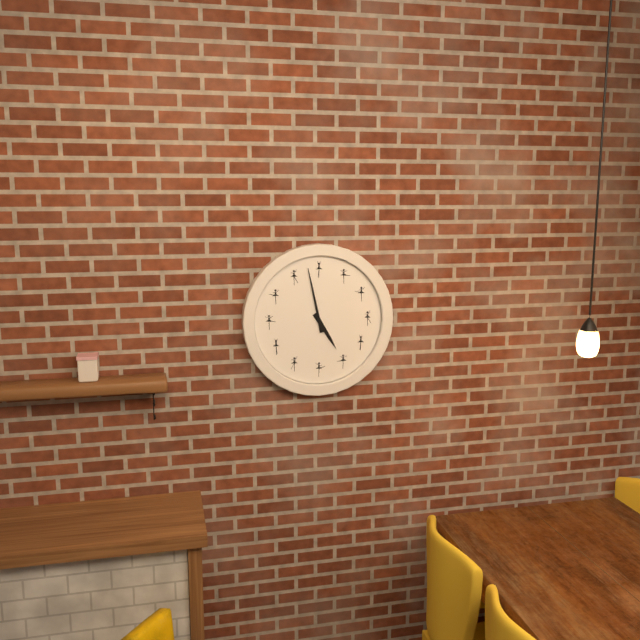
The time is **4:58**
